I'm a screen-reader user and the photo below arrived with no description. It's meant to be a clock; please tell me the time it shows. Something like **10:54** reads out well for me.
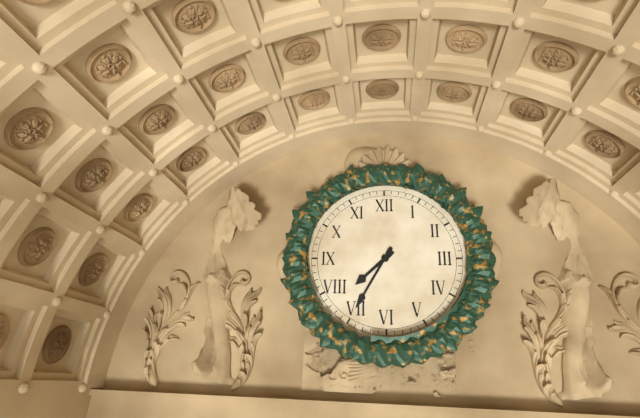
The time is **7:35**
